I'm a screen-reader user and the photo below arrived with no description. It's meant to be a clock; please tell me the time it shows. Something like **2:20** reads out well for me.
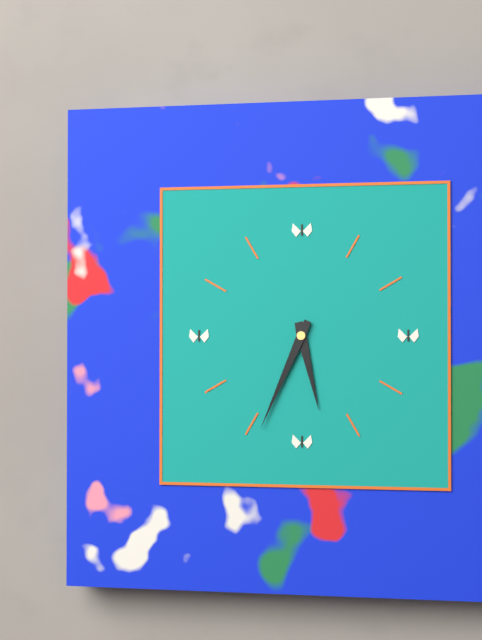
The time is **5:34**
